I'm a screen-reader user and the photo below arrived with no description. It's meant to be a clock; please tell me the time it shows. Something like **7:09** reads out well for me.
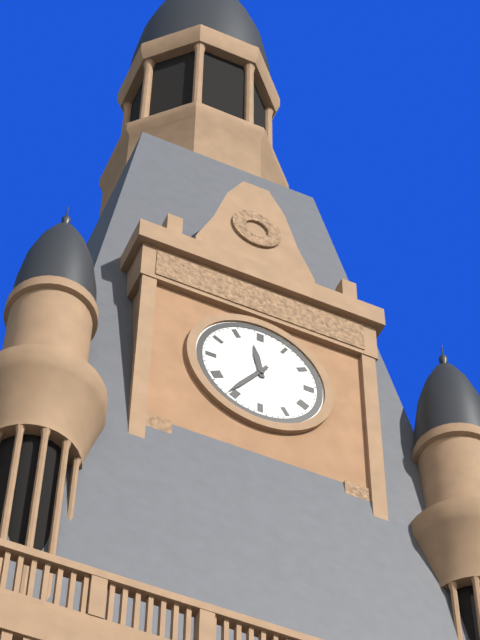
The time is **11:36**
